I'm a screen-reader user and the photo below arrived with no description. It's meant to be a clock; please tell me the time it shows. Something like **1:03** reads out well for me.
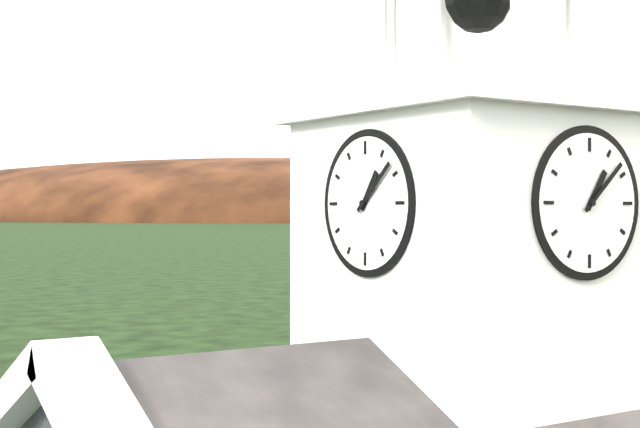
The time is **1:08**
